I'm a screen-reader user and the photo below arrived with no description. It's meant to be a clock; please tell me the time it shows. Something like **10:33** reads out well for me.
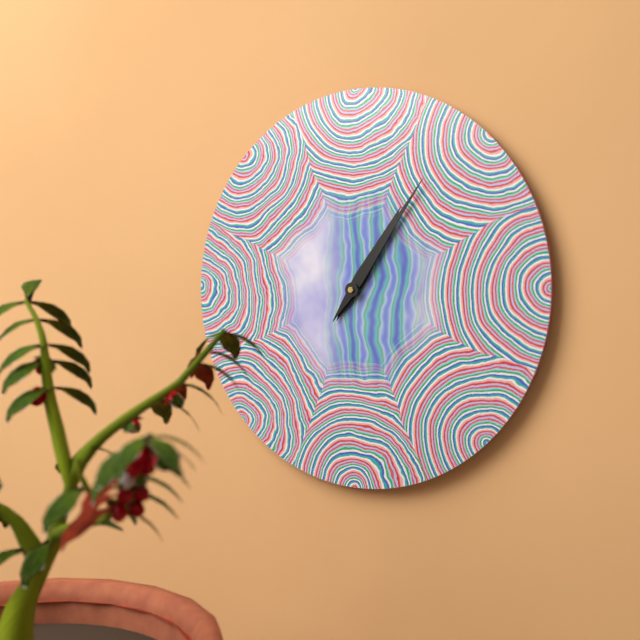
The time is **1:06**
